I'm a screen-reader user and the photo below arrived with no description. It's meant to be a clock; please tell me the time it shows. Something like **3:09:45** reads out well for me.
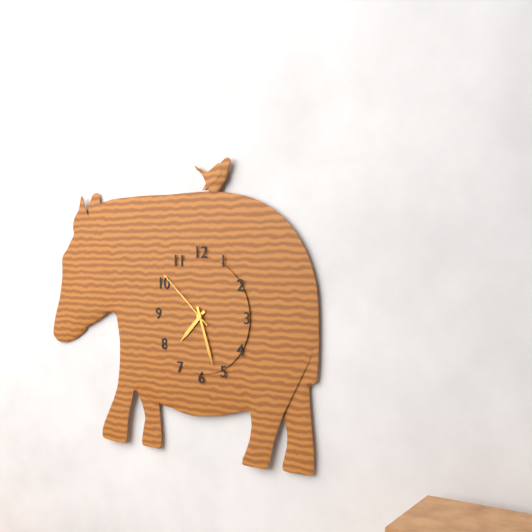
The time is **7:27:52**
